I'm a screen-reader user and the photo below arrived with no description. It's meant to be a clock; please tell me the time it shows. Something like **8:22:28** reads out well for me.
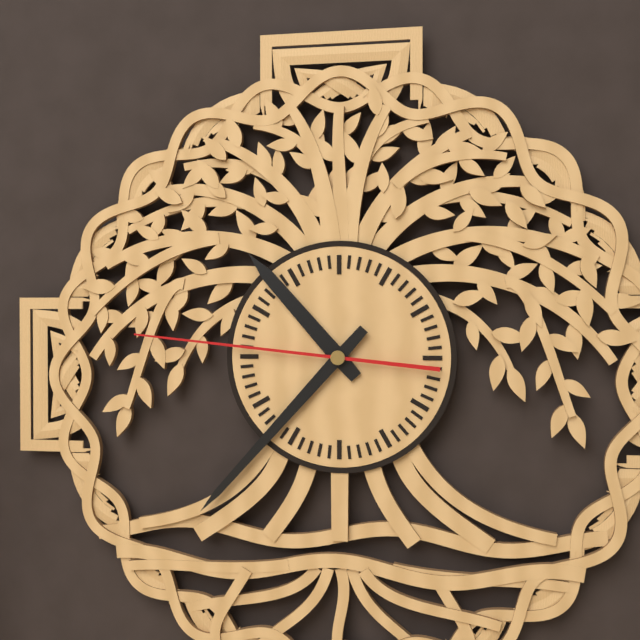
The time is **10:37:46**
